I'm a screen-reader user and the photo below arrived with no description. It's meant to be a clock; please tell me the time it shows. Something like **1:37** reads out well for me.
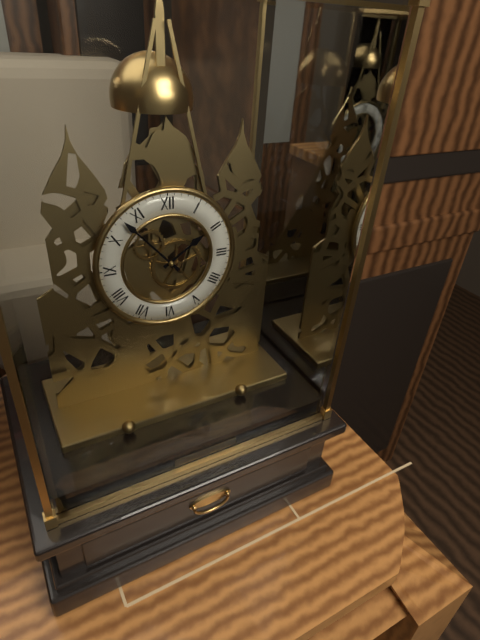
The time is **1:53**
